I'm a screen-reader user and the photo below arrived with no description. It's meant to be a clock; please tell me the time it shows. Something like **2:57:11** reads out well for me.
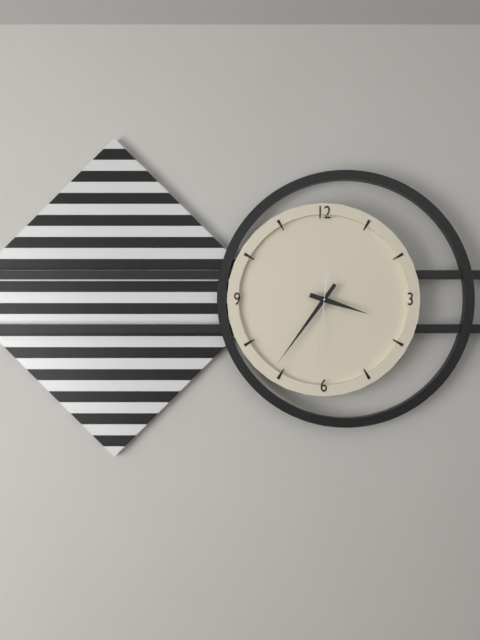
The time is **3:36:31**
